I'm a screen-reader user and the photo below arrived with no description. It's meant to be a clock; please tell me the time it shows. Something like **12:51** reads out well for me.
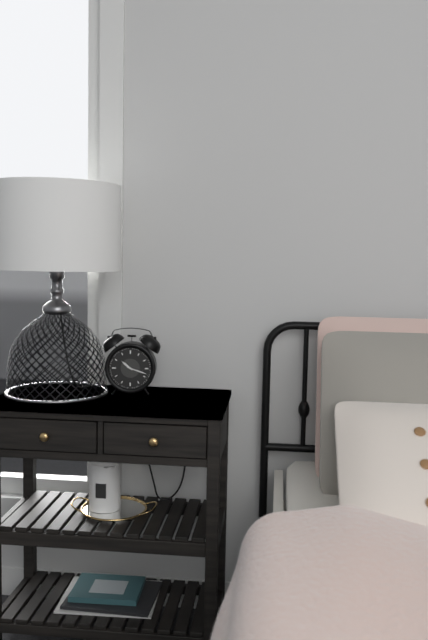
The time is **10:18**
